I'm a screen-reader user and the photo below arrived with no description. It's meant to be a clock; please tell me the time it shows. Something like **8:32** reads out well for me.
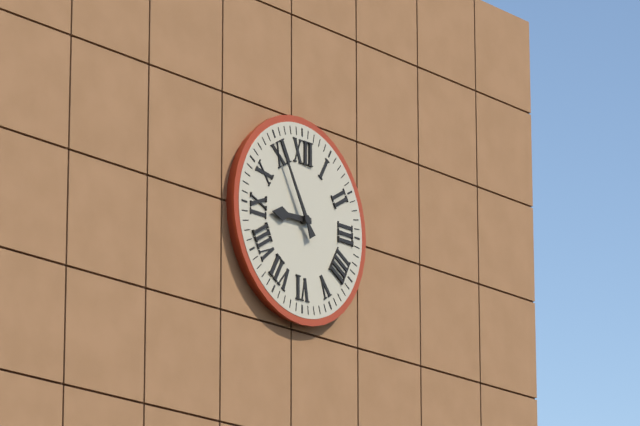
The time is **8:55**
